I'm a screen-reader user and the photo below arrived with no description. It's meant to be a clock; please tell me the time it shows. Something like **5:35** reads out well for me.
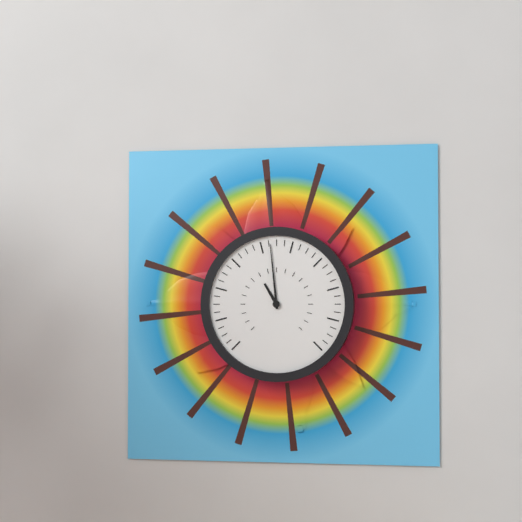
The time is **10:59**
